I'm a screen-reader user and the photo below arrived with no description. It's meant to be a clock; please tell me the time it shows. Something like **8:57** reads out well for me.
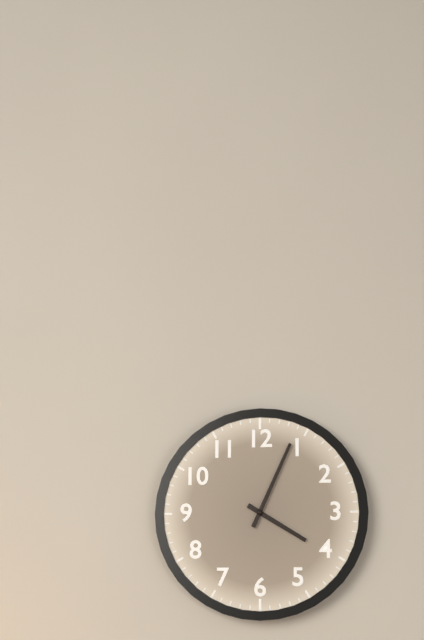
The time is **4:04**
